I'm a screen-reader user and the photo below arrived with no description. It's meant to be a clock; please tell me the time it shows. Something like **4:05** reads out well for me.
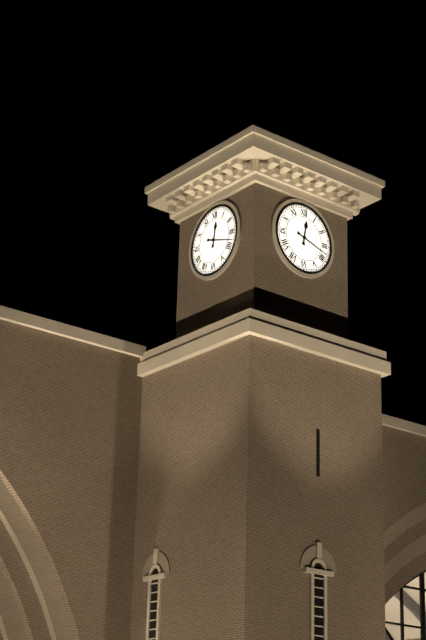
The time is **12:18**
